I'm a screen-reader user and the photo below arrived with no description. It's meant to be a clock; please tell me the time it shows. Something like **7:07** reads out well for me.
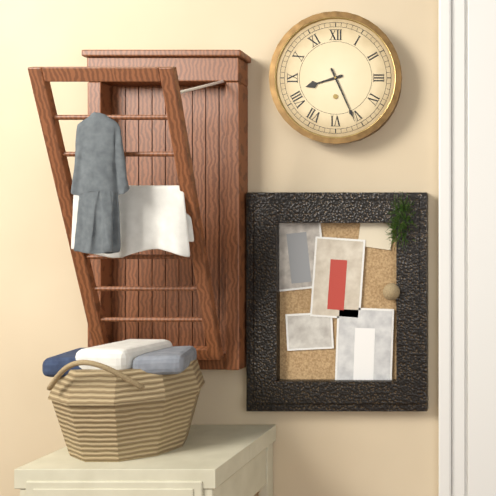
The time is **8:26**
